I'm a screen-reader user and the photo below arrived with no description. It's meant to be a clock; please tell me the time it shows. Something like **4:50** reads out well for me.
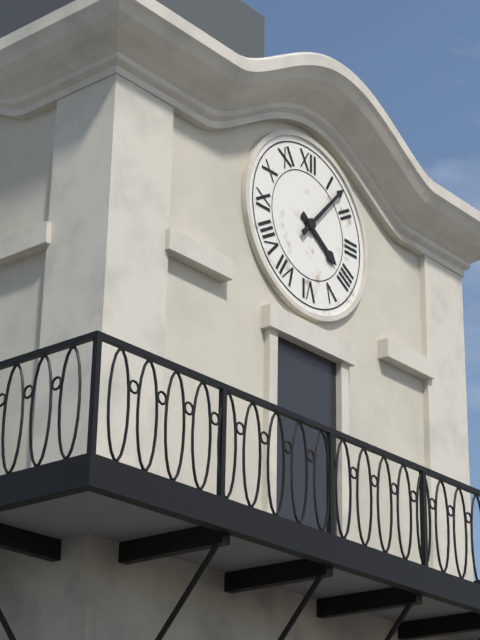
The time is **4:07**
